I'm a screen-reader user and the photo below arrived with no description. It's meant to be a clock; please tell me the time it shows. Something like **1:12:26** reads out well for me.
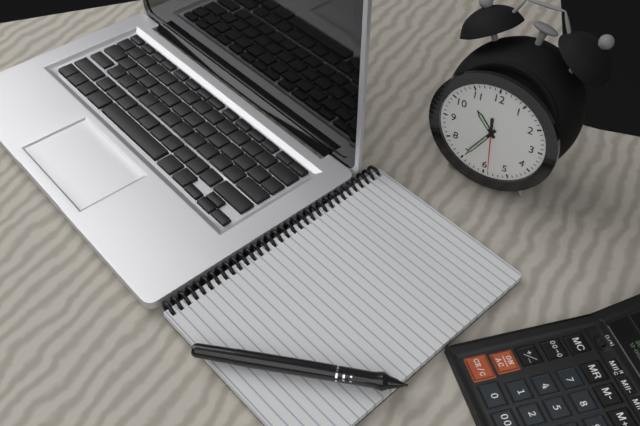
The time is **10:35:29**
